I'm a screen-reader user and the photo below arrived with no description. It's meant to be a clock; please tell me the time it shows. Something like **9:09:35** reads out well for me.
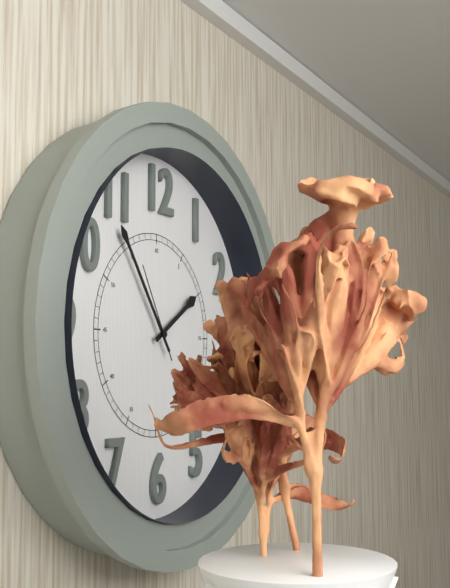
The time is **1:54:55**
